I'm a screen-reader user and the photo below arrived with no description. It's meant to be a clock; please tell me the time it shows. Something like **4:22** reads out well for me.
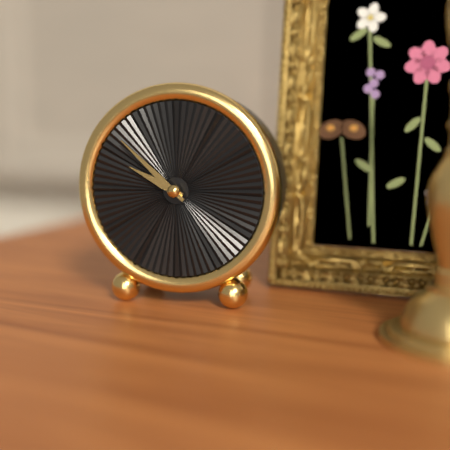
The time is **9:52**
